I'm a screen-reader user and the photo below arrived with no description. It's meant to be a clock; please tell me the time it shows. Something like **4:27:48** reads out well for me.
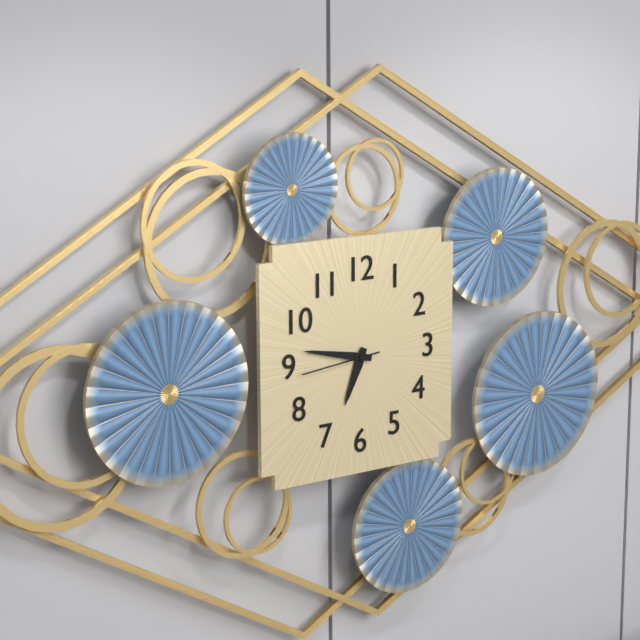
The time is **6:47:44**
